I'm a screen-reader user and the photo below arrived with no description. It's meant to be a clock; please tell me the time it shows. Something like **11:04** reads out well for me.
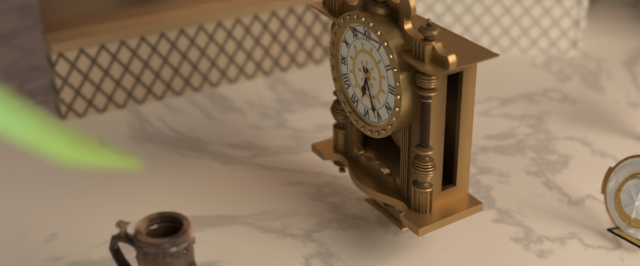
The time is **6:26**
